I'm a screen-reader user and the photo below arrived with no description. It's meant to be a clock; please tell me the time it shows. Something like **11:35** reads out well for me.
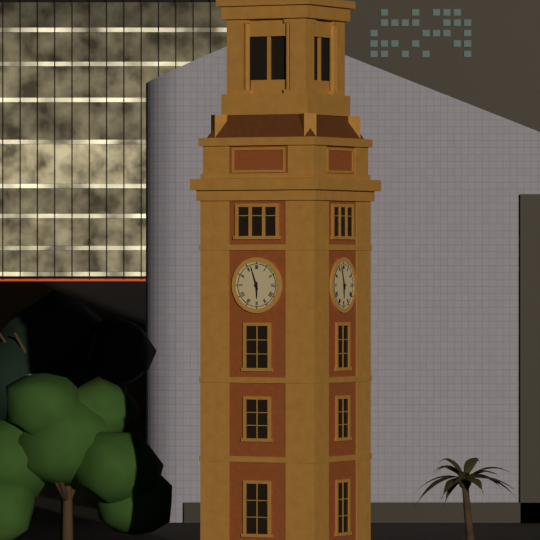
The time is **5:57**
